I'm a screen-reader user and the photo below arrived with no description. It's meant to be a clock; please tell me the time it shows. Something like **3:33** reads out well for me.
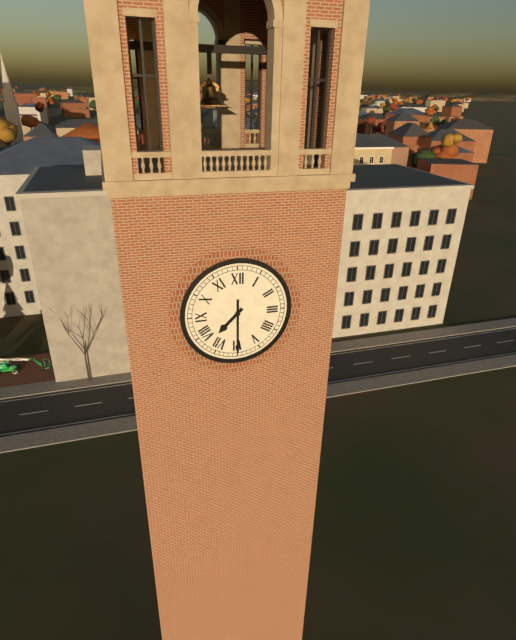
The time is **7:30**
